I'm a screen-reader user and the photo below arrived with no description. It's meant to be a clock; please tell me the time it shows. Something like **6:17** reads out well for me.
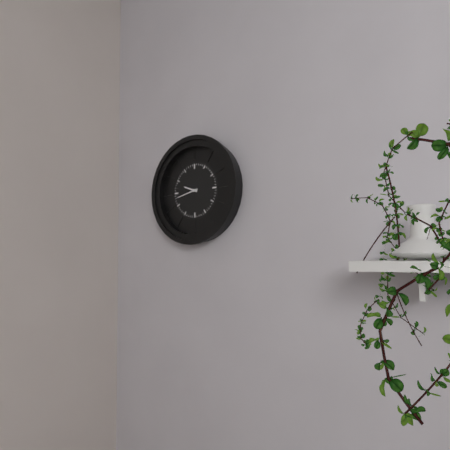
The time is **9:43**
